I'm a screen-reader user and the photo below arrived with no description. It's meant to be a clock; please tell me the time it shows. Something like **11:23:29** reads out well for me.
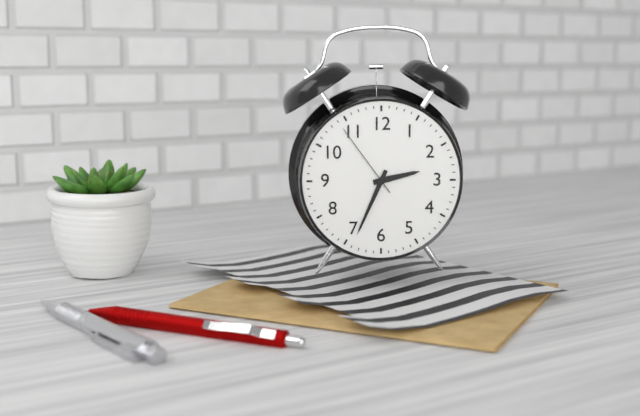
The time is **2:34:54**
